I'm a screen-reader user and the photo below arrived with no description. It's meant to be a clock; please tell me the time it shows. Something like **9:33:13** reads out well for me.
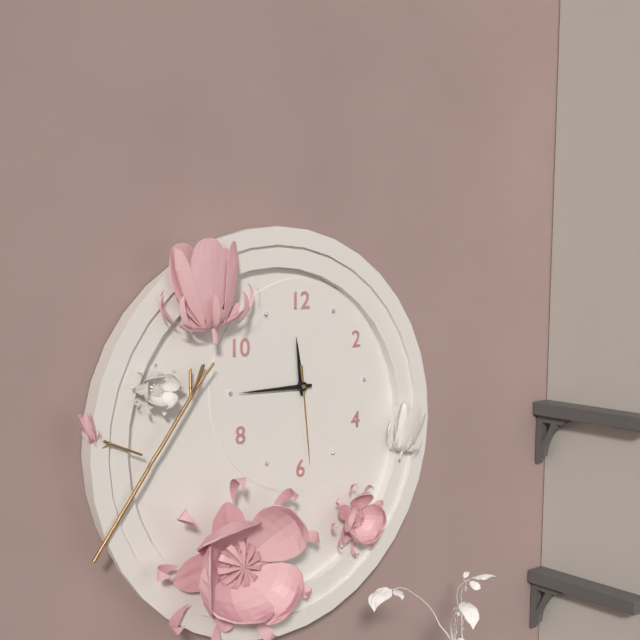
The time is **11:45:29**
